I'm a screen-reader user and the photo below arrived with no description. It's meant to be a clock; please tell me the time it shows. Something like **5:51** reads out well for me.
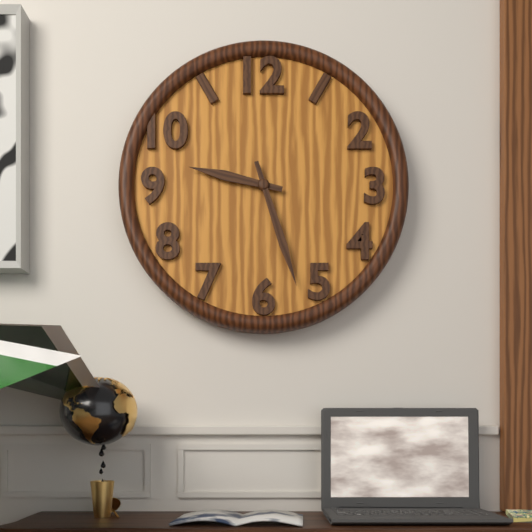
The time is **9:27**
